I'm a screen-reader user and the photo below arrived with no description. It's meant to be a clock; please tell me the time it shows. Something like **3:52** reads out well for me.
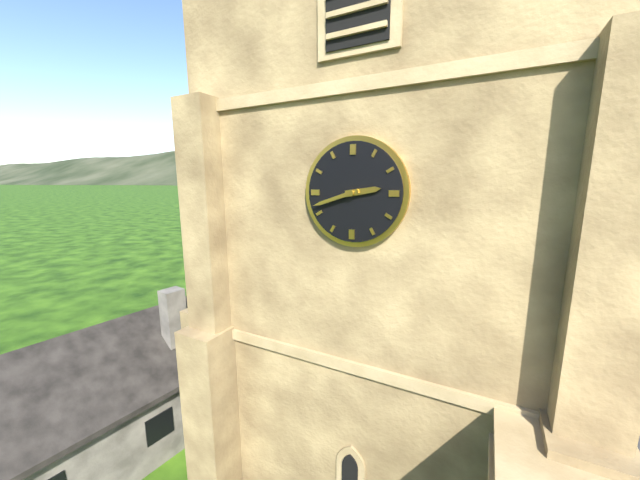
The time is **2:42**
